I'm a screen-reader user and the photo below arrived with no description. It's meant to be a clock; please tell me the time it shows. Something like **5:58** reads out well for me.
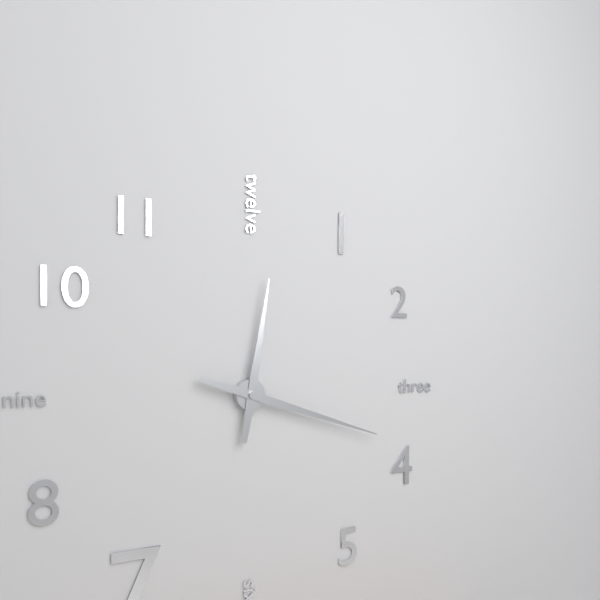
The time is **12:18**
